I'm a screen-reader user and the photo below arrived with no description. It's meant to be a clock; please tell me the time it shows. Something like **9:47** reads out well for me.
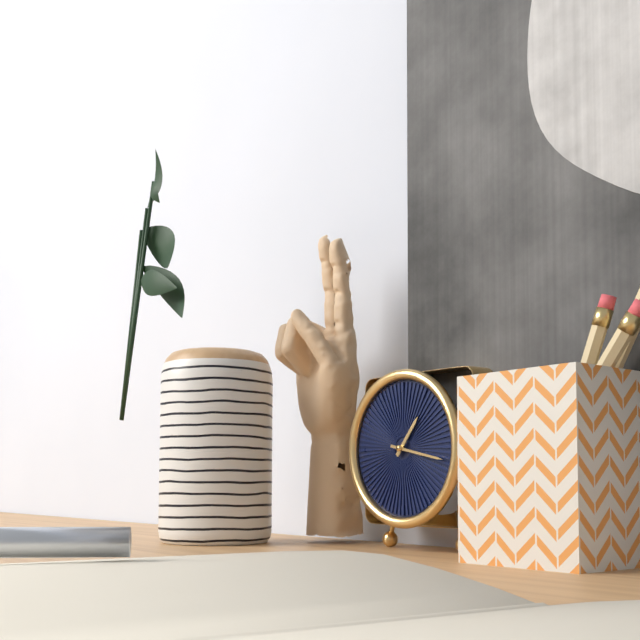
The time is **1:17**
